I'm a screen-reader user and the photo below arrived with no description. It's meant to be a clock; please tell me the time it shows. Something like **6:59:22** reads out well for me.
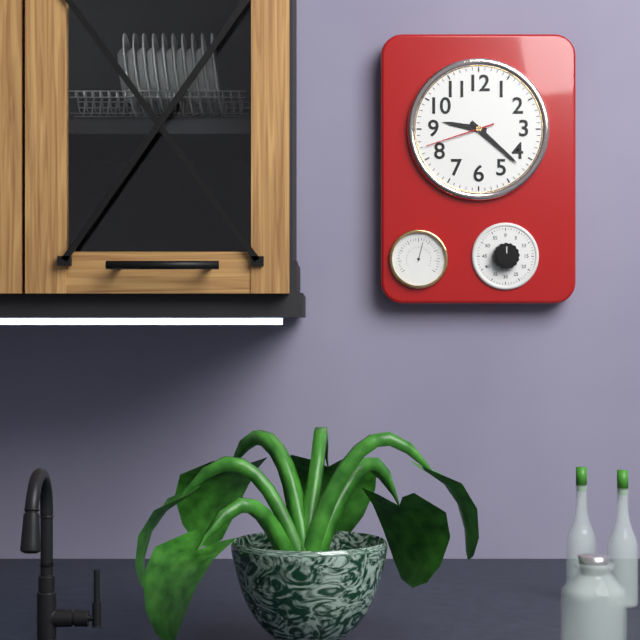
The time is **9:22:42**
